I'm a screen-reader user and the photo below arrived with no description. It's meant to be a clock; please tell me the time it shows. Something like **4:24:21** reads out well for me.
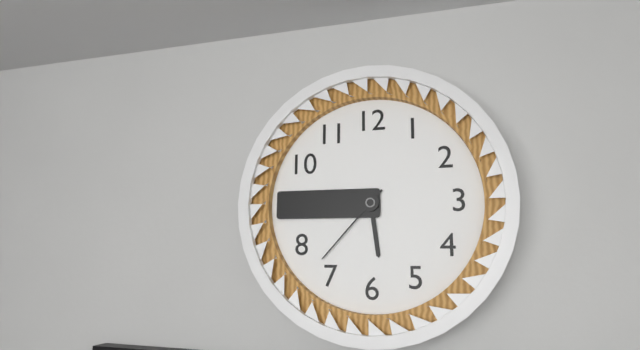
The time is **5:45:37**
